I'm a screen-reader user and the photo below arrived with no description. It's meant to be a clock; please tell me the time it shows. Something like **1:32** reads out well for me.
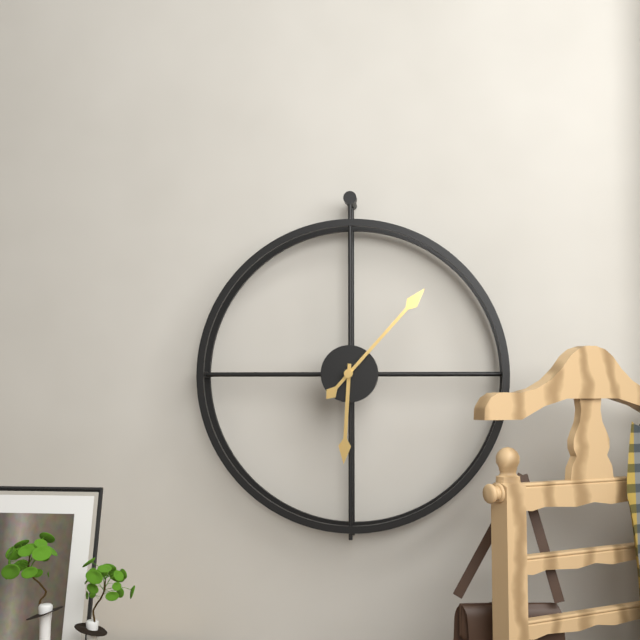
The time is **6:07**
